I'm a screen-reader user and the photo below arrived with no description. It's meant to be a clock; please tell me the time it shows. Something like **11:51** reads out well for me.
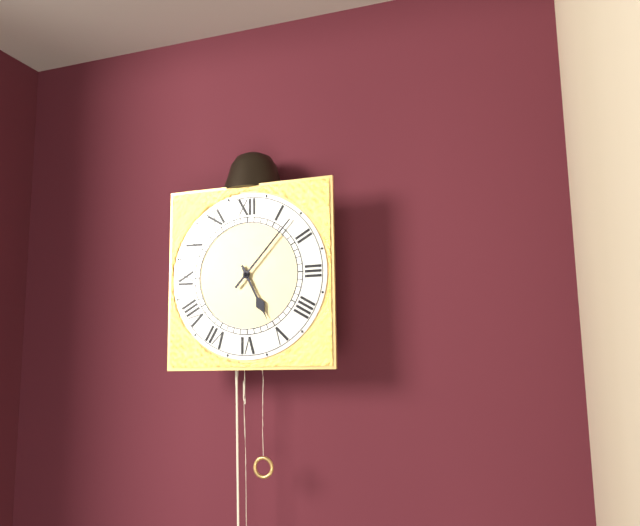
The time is **5:07**
